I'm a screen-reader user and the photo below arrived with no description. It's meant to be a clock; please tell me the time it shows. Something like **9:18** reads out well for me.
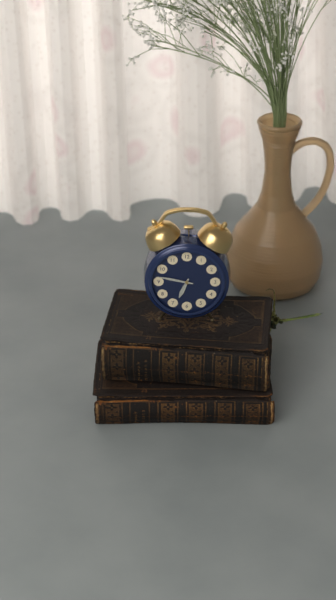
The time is **6:47**
